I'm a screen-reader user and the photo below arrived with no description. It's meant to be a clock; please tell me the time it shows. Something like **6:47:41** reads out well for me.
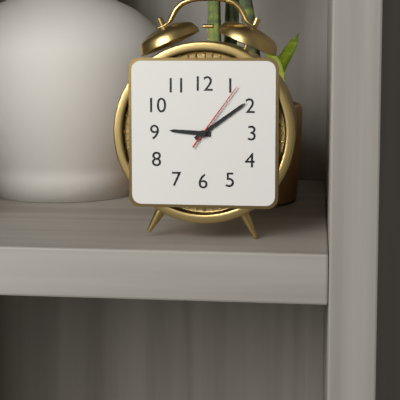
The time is **9:09:06**
